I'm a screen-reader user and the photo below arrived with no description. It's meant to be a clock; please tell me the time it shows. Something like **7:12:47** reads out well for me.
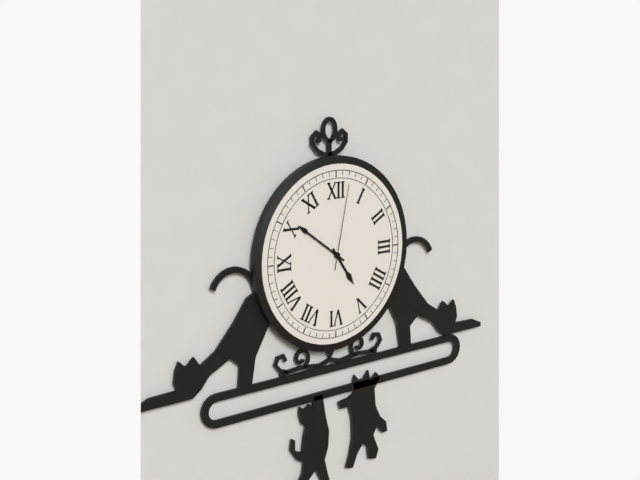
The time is **4:51:02**
